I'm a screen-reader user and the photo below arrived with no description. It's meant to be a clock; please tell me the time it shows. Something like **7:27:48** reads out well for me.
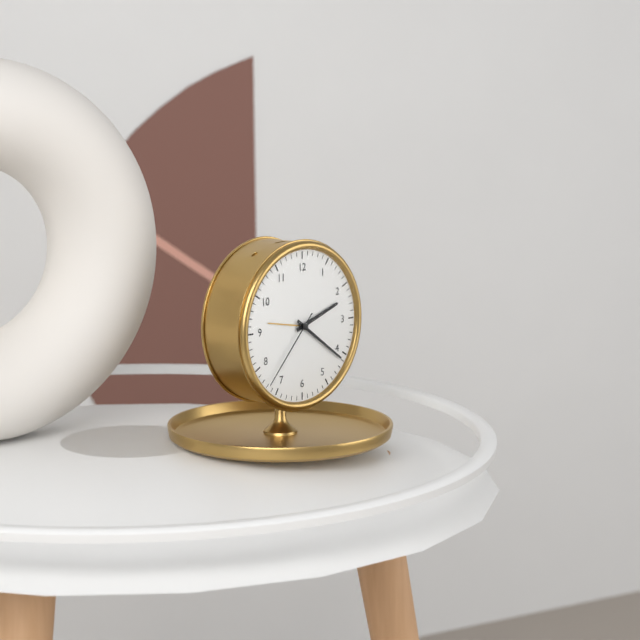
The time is **2:21:37**
